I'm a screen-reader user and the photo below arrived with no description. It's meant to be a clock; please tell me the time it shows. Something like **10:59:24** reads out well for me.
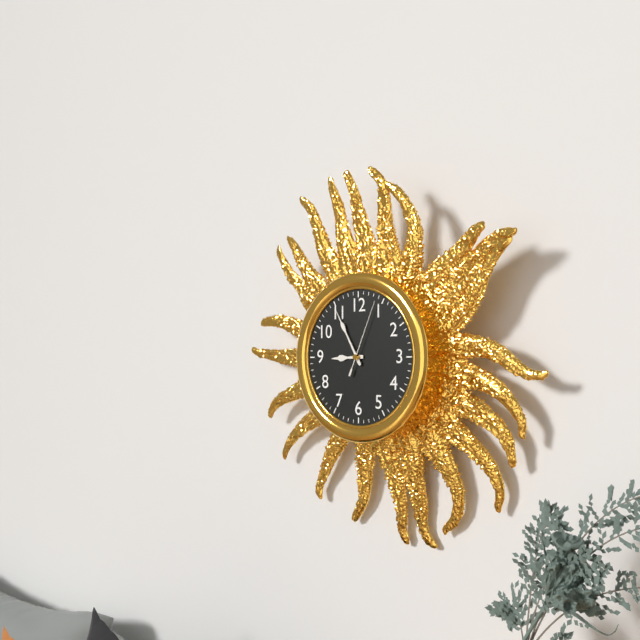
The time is **8:55:04**
